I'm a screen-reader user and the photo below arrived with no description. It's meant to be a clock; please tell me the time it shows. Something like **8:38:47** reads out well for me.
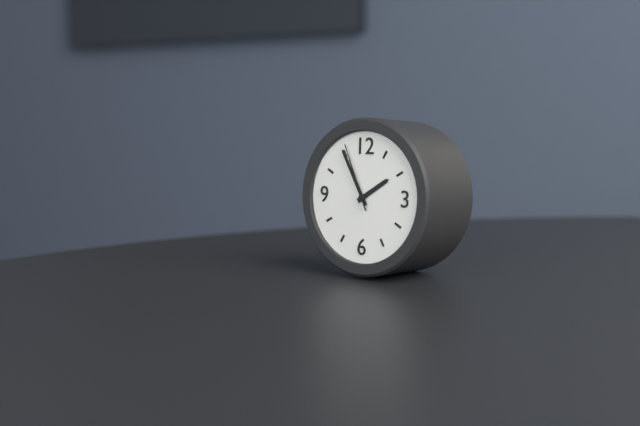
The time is **1:55:56**
